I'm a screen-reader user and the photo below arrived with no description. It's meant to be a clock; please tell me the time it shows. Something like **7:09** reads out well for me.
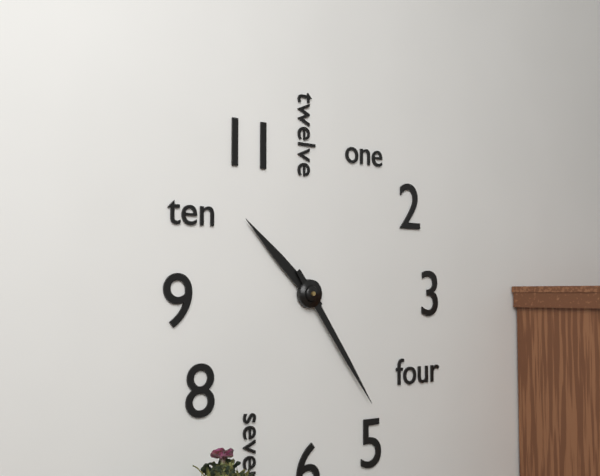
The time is **10:24**
